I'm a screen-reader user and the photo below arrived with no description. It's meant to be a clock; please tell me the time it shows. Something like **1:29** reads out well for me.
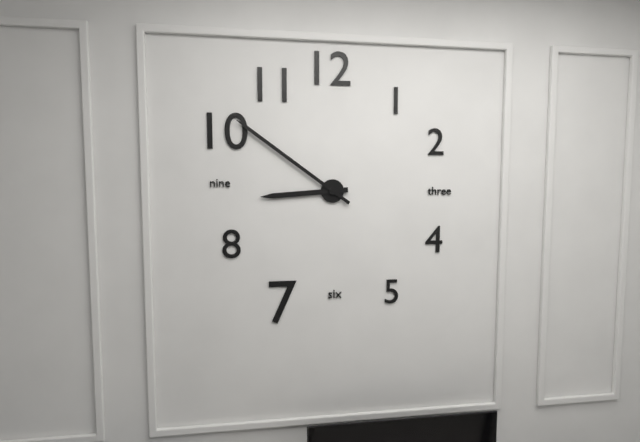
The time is **8:51**
